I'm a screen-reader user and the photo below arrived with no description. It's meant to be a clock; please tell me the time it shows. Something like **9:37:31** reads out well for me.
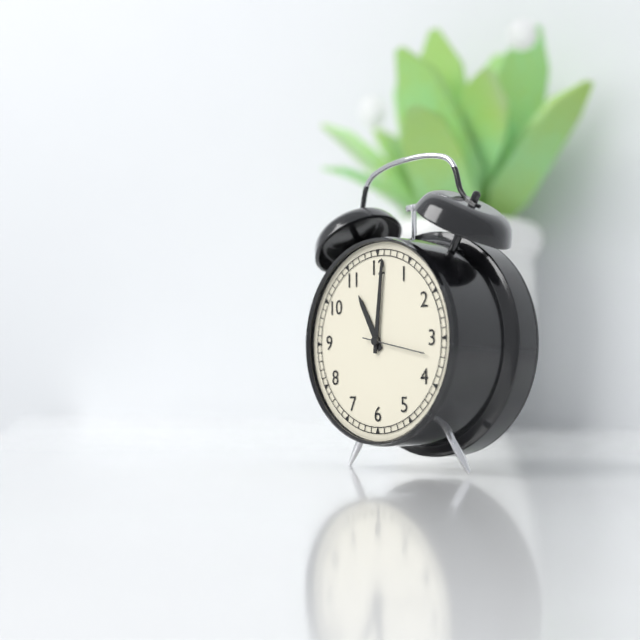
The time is **11:01:17**
